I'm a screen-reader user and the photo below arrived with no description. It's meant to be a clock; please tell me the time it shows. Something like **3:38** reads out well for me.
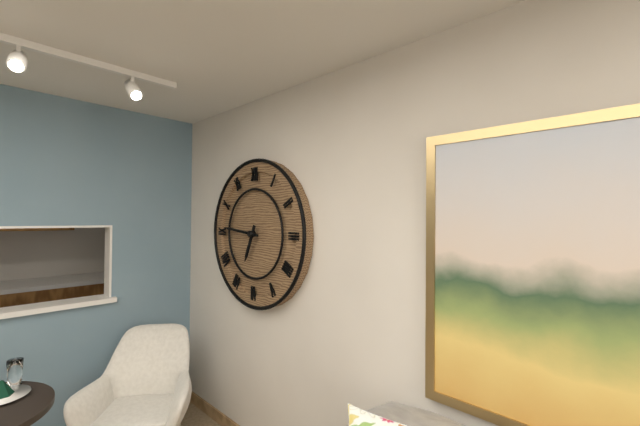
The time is **6:46**
